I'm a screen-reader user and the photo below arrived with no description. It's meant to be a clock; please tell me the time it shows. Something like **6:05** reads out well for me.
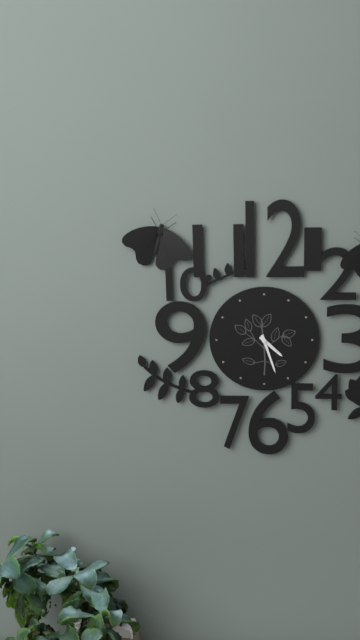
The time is **4:27**
